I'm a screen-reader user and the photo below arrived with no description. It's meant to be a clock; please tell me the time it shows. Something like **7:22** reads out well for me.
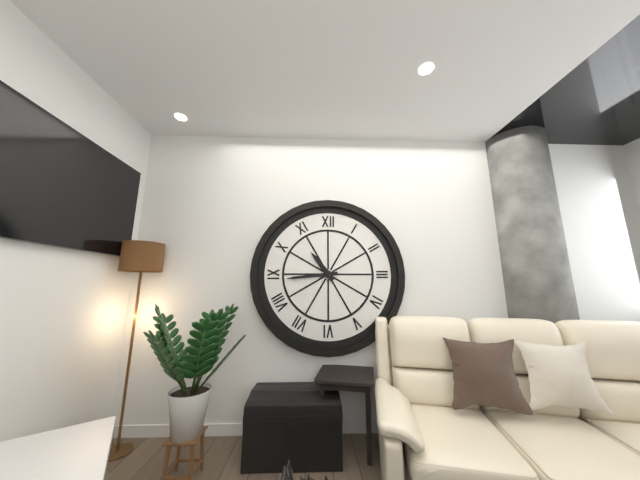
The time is **10:44**
